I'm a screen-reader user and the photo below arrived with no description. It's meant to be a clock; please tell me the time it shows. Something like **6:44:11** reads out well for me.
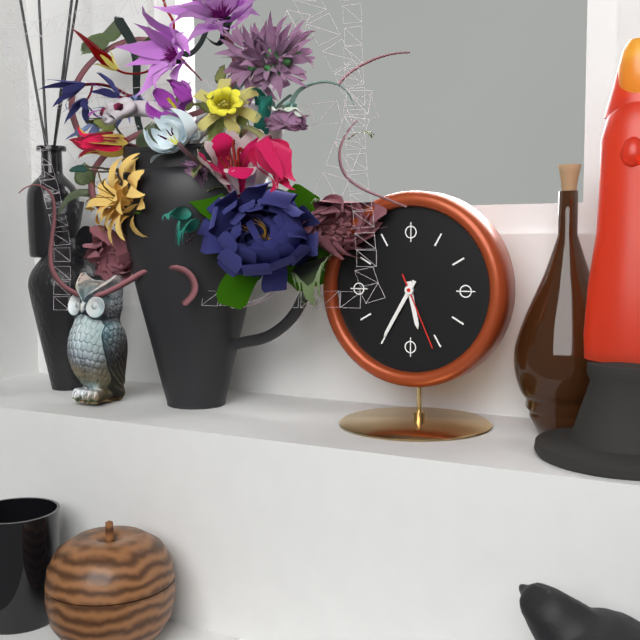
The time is **5:35:26**
